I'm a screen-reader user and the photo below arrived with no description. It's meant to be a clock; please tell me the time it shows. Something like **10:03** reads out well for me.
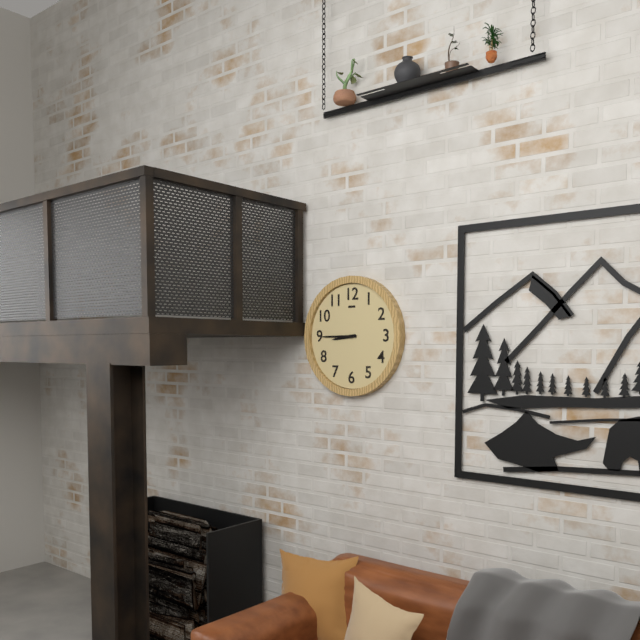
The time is **8:45**
